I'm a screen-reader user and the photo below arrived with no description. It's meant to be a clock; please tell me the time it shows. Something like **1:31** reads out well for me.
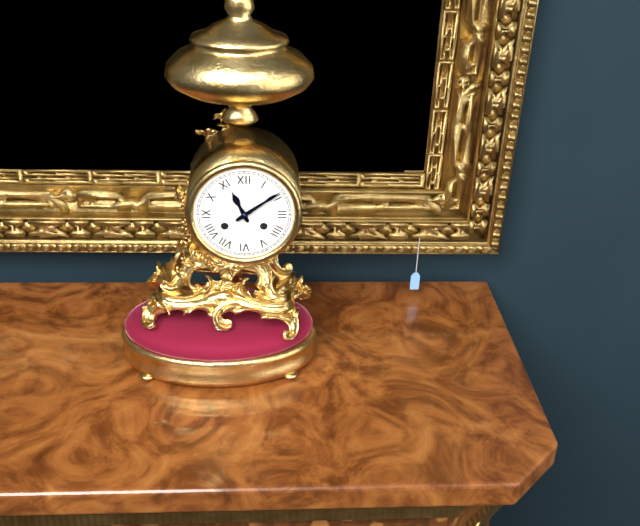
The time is **11:09**
